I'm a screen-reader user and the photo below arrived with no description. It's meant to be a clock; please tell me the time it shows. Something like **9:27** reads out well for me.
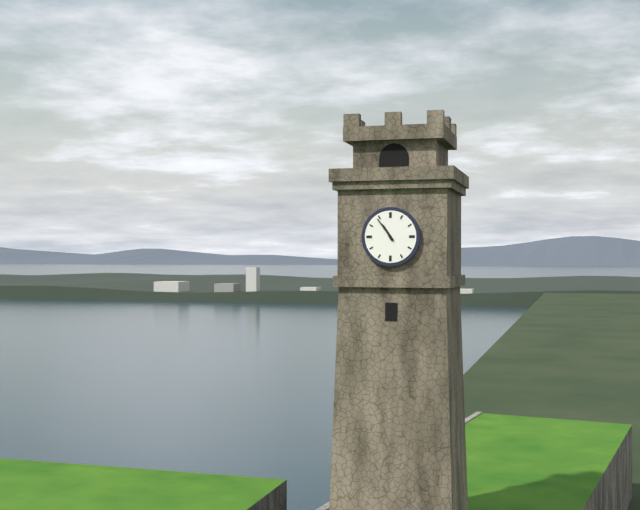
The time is **10:54**
